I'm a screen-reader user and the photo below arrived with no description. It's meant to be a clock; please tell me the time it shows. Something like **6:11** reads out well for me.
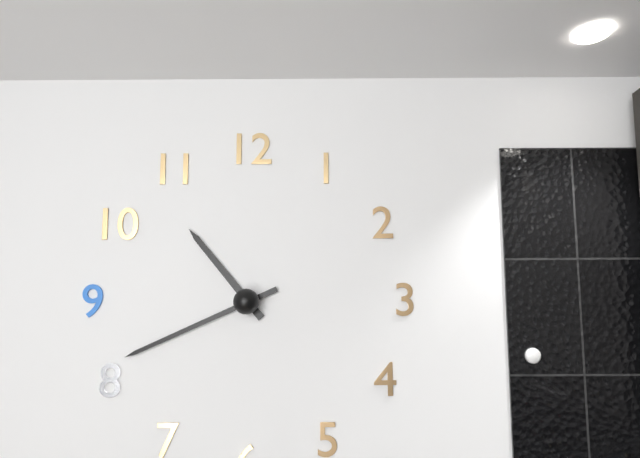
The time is **10:41**
